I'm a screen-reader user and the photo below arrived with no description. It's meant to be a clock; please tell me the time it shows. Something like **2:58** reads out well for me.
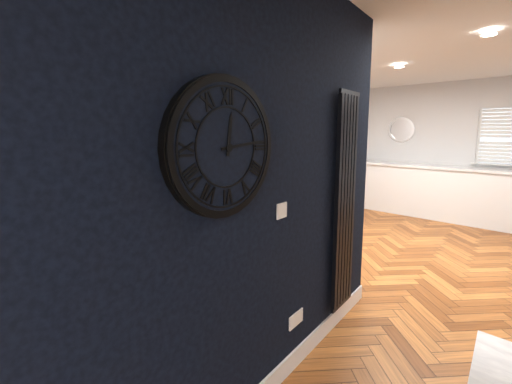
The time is **12:14**
